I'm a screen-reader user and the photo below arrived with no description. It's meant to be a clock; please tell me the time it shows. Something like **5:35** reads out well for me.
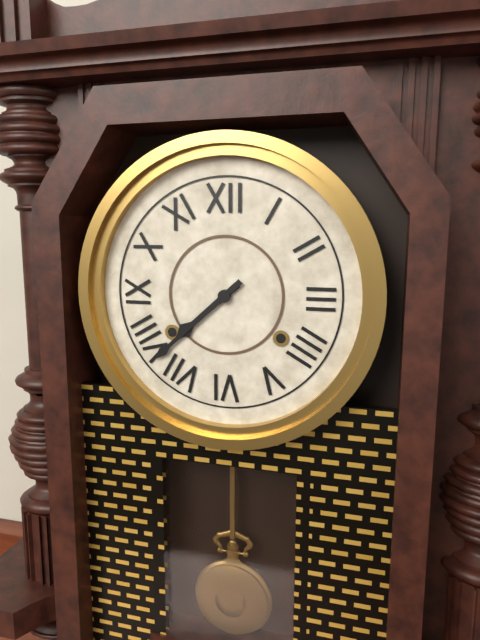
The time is **7:38**
